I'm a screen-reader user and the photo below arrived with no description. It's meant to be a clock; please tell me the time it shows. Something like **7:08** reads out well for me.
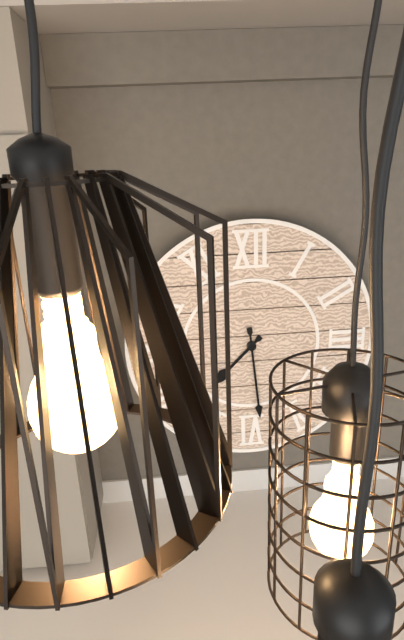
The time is **7:29**
